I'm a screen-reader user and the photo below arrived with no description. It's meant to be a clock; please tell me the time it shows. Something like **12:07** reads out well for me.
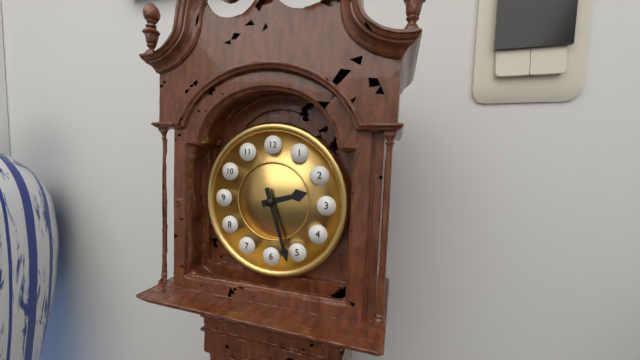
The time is **2:27**
